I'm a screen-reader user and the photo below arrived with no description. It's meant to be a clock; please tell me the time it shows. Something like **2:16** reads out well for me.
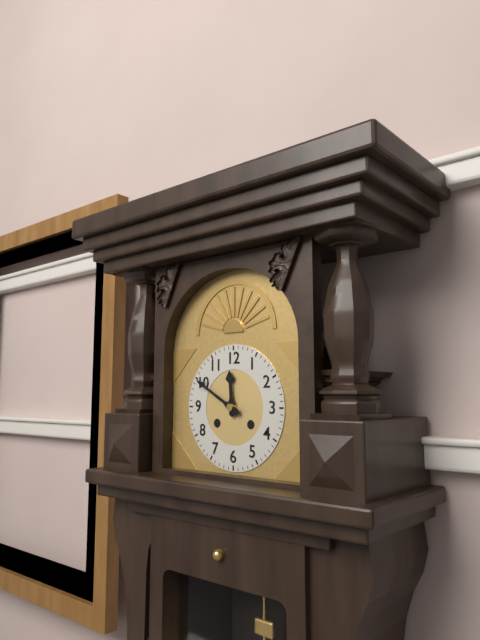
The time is **11:50**
